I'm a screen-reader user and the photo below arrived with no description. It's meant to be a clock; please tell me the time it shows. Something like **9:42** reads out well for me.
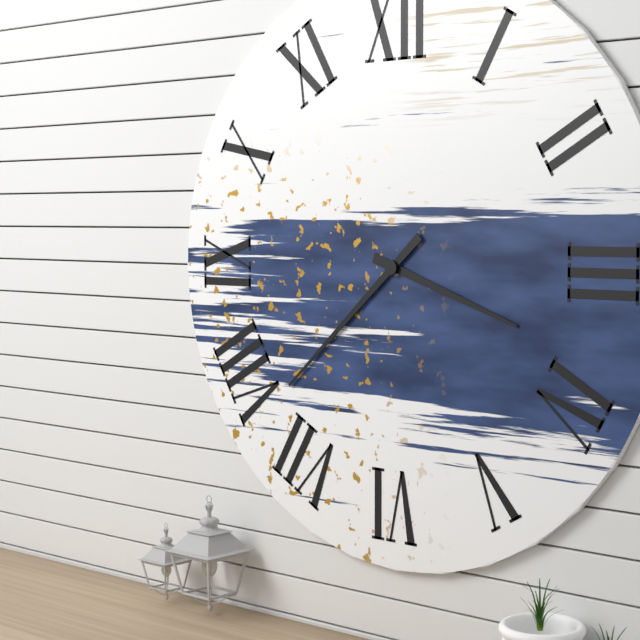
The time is **3:38**
